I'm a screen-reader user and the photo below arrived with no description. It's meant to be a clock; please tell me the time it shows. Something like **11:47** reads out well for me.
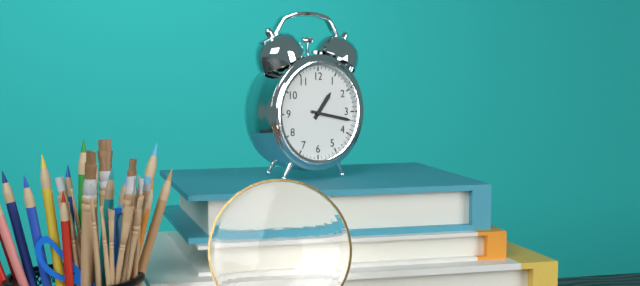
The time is **1:17**
